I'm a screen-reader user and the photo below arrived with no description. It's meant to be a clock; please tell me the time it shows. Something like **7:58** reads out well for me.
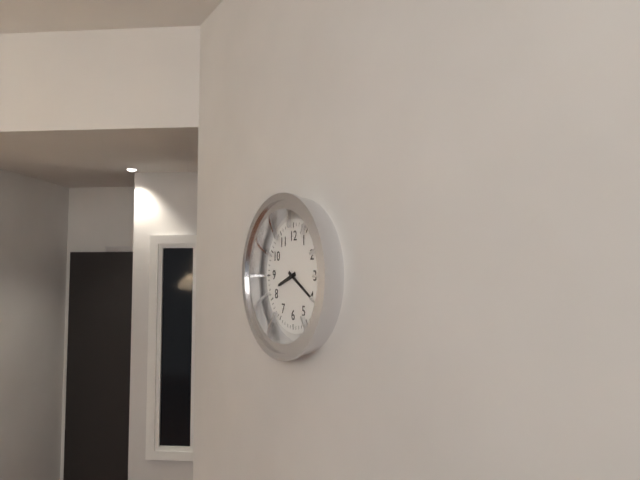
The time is **8:20**
